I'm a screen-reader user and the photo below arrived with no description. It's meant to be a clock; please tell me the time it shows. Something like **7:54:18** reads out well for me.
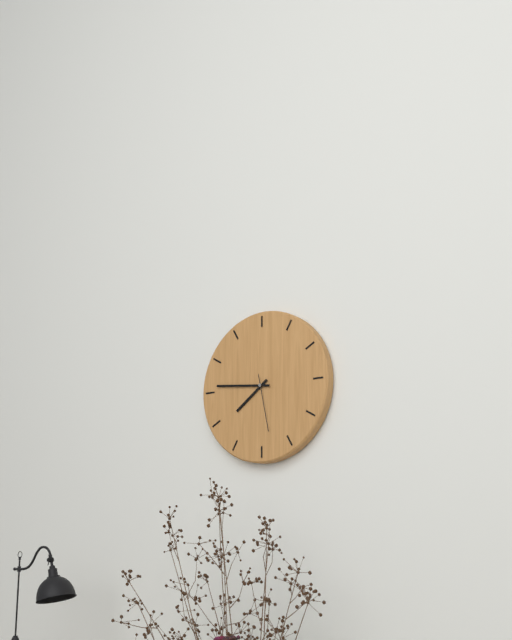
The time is **7:46:28**
